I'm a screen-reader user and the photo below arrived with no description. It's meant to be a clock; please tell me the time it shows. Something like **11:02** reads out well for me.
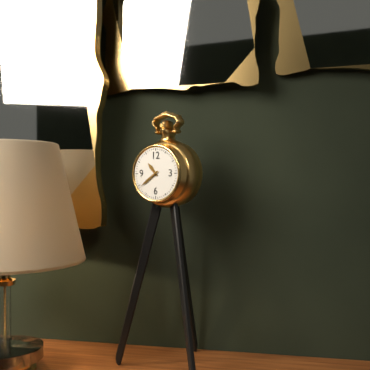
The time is **10:39**
